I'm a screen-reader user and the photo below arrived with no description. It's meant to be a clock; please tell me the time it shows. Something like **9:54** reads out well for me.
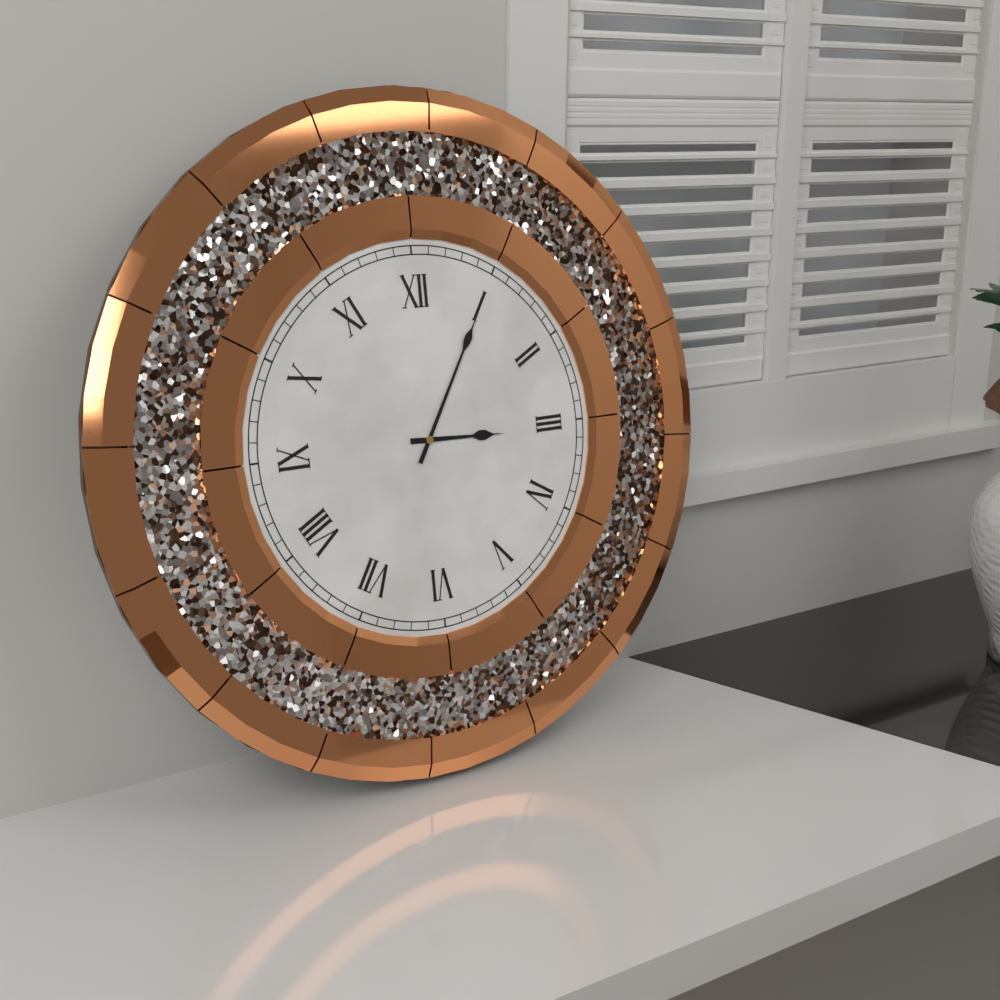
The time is **3:05**
